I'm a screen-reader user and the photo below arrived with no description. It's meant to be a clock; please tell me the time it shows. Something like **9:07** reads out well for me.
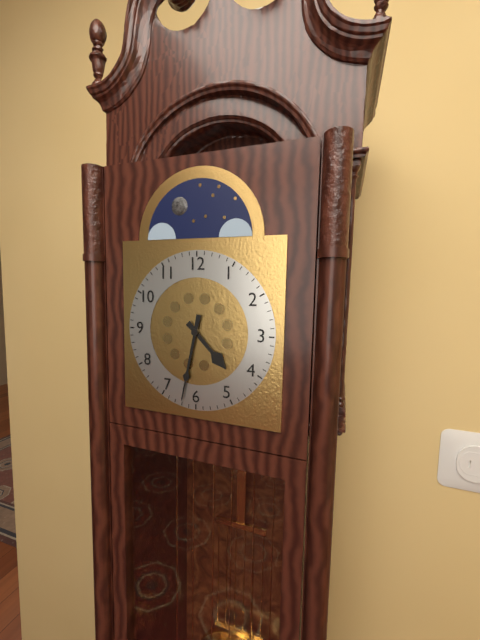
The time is **4:32**
